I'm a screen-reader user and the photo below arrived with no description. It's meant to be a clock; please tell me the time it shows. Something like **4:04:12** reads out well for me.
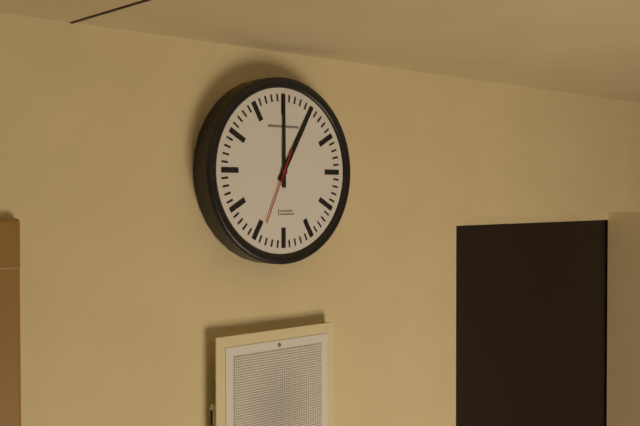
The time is **1:00:34**
